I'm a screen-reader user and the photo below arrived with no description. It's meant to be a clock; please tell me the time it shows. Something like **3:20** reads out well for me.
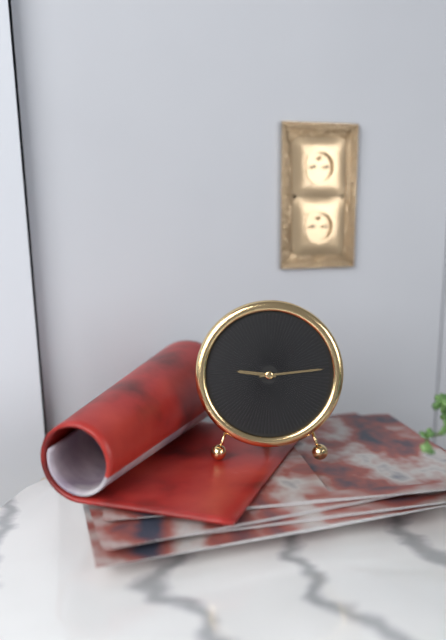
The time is **9:14**
